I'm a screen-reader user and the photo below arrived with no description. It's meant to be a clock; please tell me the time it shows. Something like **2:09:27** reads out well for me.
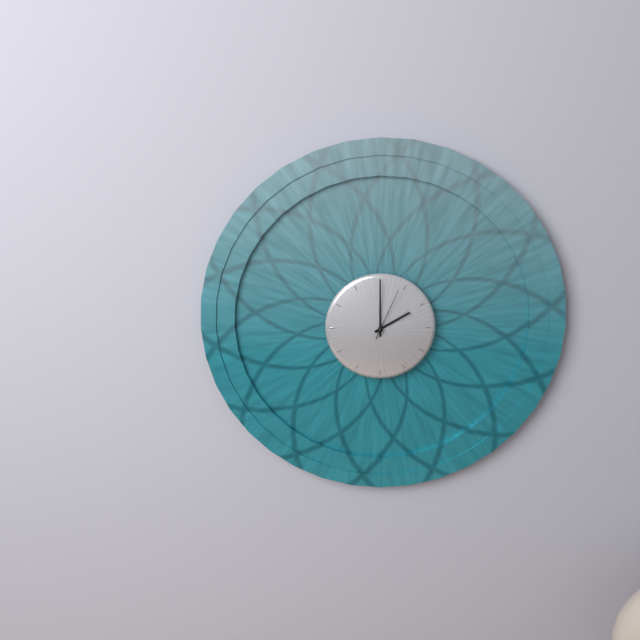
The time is **2:00:04**
